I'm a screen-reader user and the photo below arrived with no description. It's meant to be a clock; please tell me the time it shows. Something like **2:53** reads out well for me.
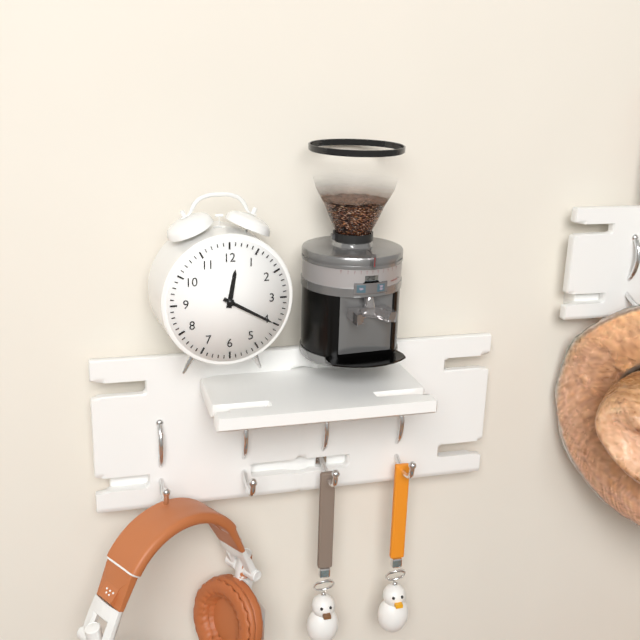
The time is **12:20**
